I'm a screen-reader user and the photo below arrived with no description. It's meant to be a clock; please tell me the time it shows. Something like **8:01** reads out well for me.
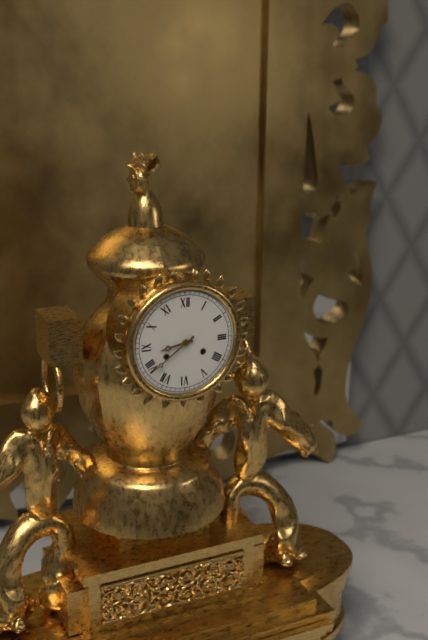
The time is **8:39**
